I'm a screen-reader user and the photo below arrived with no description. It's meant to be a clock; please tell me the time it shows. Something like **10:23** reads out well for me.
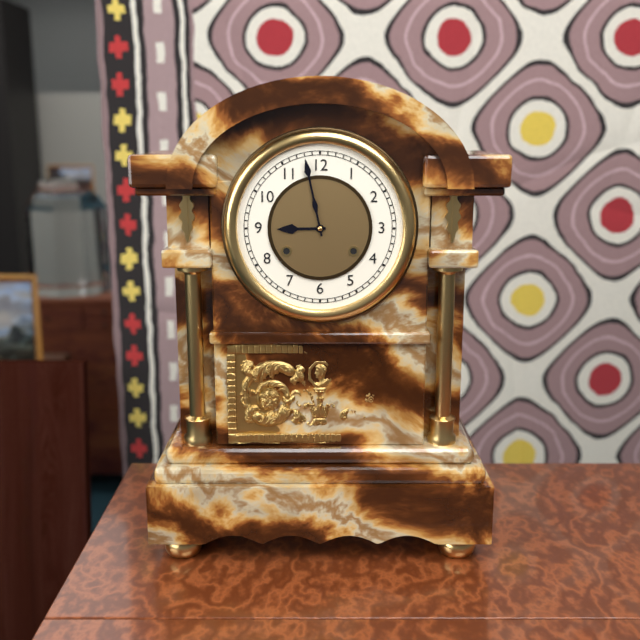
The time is **8:58**
